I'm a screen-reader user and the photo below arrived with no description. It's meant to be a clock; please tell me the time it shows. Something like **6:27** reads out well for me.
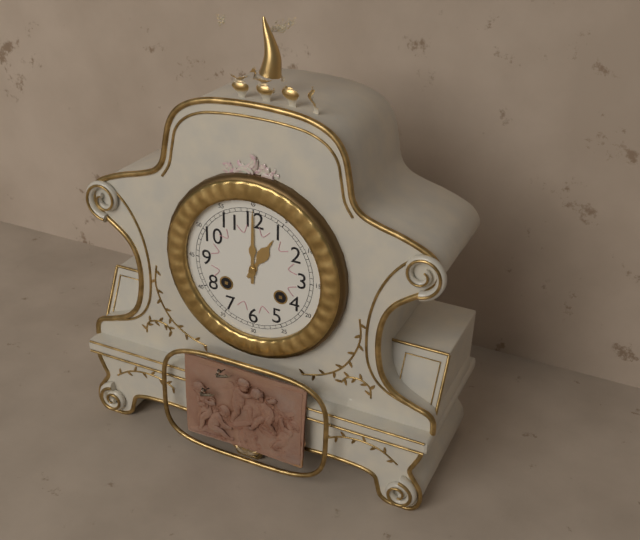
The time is **1:00**
